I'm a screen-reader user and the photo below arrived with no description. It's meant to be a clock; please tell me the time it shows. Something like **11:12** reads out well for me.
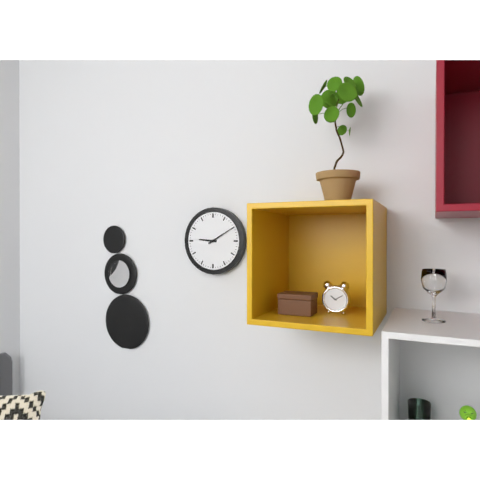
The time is **9:10**
